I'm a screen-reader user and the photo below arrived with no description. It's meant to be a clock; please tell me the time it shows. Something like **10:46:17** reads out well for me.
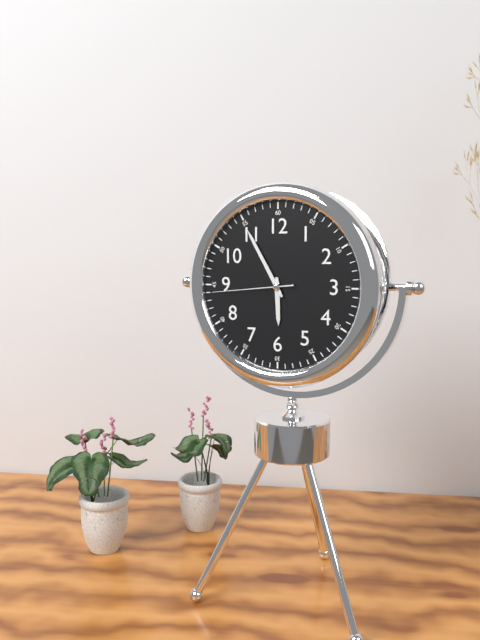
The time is **5:55:44**
